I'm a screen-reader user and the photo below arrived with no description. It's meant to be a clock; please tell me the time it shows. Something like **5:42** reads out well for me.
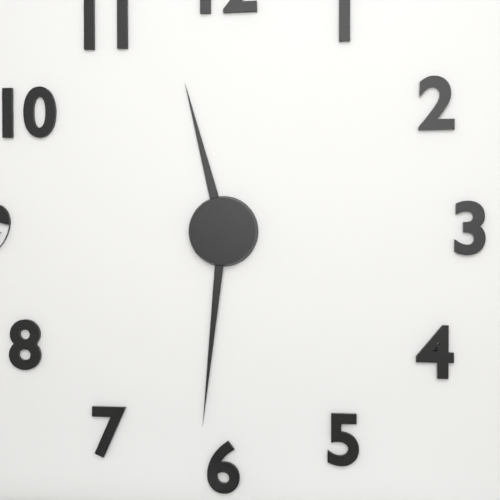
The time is **11:31**
